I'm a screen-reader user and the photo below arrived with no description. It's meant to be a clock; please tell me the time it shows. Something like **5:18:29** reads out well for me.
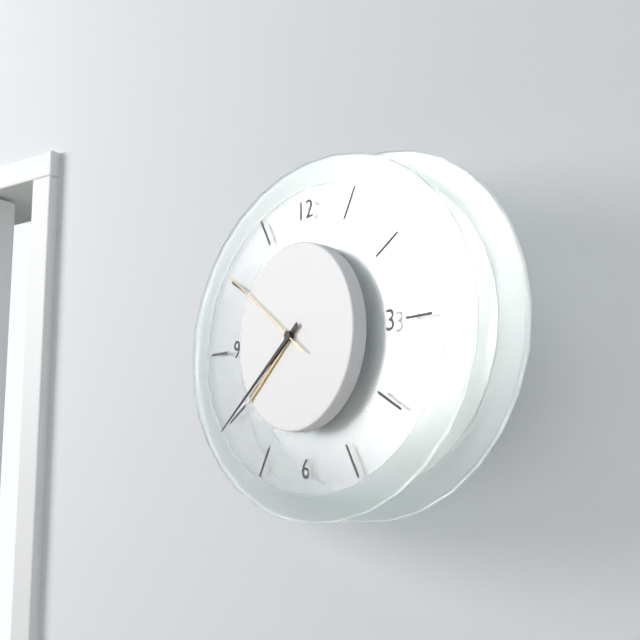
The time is **7:39:51**
